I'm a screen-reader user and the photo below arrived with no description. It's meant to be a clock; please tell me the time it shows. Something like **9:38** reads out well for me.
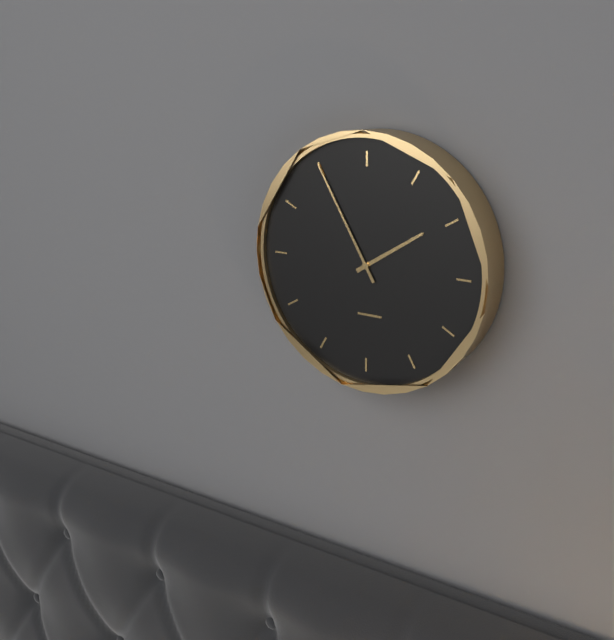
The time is **1:55**
